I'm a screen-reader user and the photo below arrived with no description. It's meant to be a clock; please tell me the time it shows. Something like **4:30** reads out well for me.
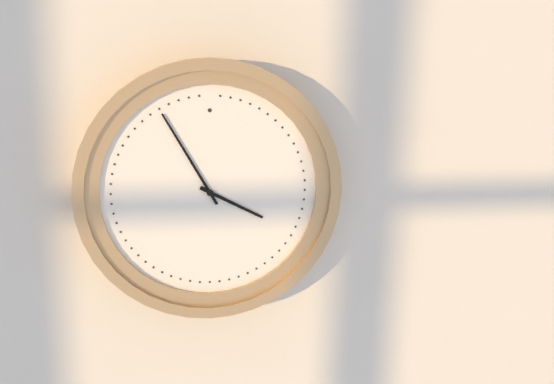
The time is **3:55**
